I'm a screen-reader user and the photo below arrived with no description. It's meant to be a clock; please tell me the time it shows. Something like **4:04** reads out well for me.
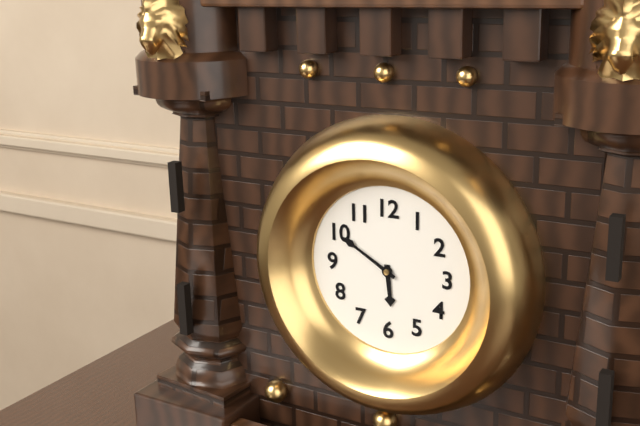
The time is **5:50**
